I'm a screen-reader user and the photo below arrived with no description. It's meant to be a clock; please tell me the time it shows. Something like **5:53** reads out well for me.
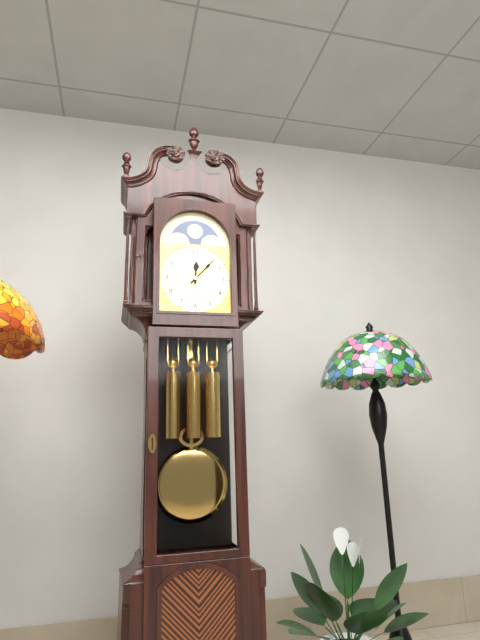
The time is **12:07**
